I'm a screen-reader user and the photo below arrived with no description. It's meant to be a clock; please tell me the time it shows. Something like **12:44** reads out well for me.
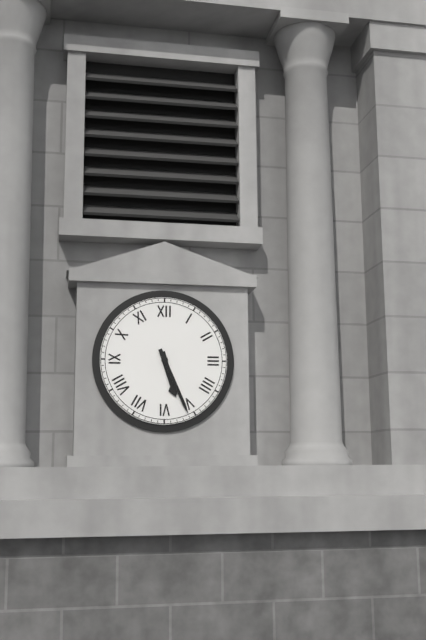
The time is **5:26**
